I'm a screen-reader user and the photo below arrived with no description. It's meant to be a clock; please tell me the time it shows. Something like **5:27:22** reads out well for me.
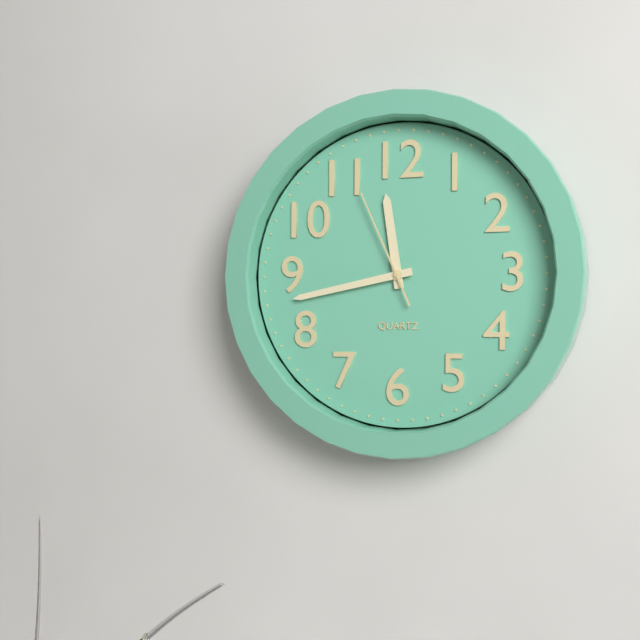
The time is **11:43:56**
